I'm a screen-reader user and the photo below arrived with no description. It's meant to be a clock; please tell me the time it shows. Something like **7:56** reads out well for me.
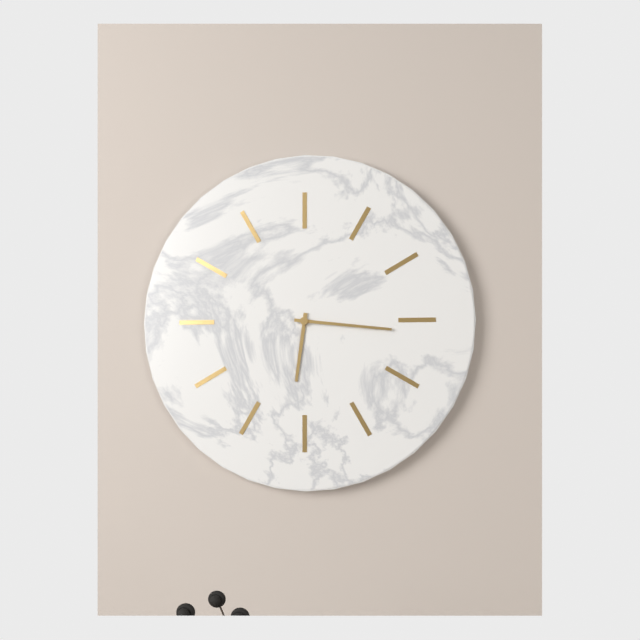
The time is **6:16**
